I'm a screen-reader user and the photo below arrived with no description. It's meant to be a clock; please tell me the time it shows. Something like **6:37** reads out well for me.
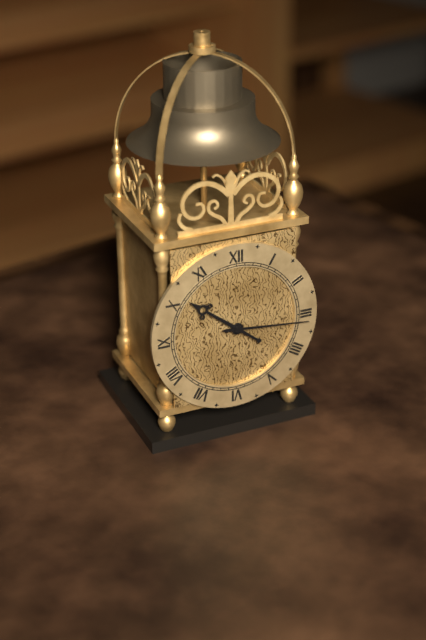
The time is **10:16**
